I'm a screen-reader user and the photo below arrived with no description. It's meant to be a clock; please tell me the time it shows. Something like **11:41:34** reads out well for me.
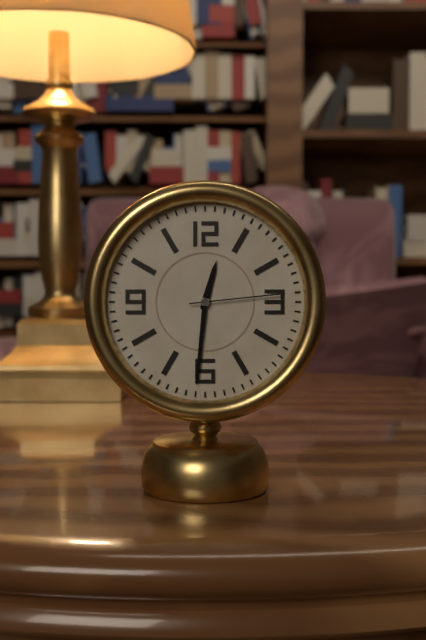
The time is **12:31:14**
